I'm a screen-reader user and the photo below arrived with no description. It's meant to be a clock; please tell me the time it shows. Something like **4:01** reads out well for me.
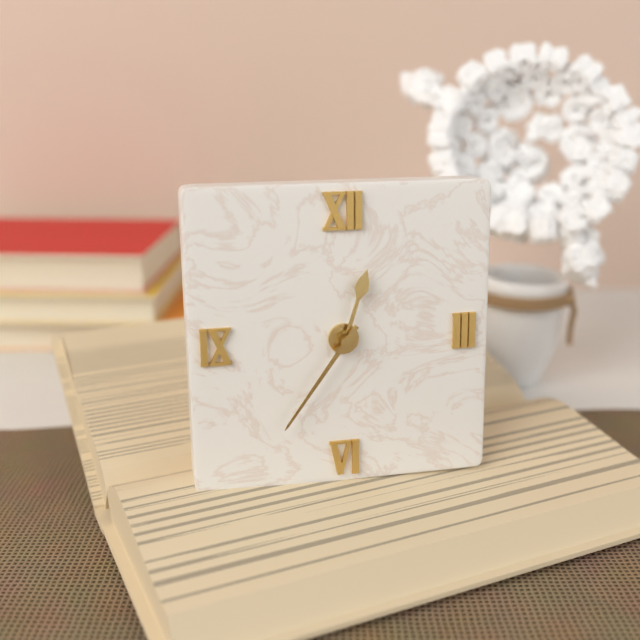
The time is **12:36**
